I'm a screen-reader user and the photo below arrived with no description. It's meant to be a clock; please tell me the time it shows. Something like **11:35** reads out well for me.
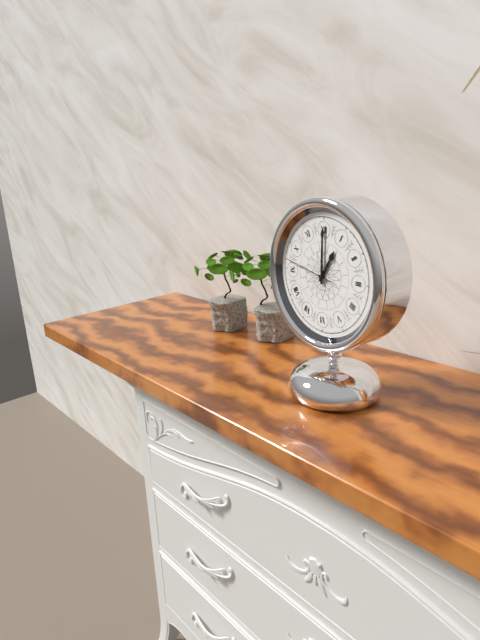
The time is **1:00**
